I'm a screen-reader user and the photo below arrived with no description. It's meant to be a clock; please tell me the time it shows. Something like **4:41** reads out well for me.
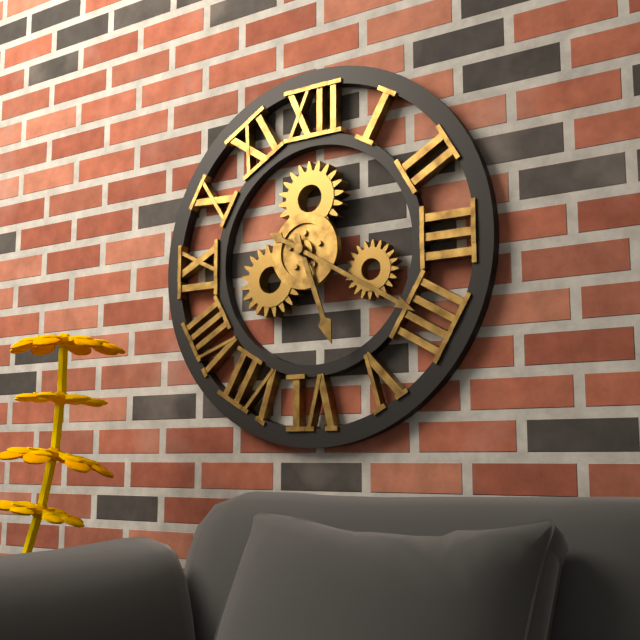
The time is **5:20**
